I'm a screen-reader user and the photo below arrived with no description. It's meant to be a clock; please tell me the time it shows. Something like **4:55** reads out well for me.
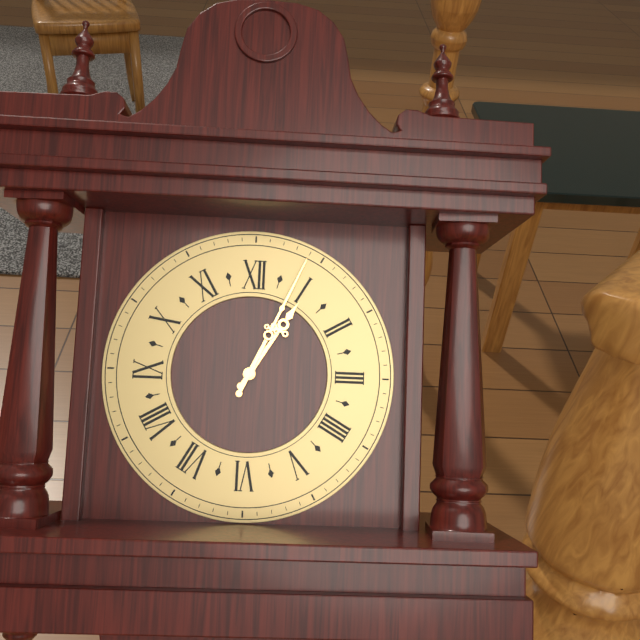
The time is **1:04**
